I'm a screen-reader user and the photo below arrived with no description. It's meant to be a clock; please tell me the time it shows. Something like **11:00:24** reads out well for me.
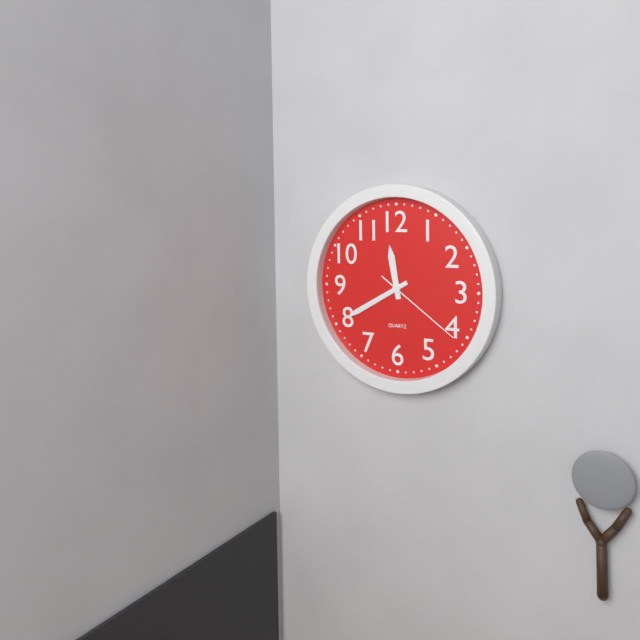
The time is **11:40:21**
